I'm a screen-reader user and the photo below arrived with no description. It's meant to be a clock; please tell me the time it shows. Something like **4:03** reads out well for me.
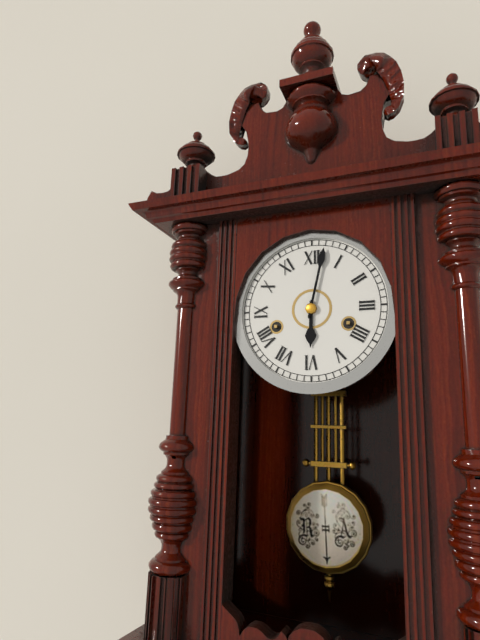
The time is **6:02**
